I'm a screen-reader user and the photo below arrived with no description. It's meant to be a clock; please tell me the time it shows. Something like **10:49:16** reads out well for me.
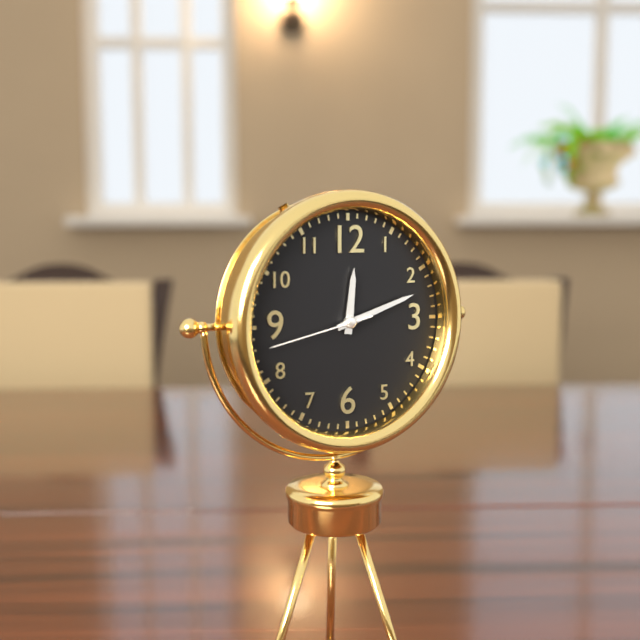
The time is **12:12:43**
